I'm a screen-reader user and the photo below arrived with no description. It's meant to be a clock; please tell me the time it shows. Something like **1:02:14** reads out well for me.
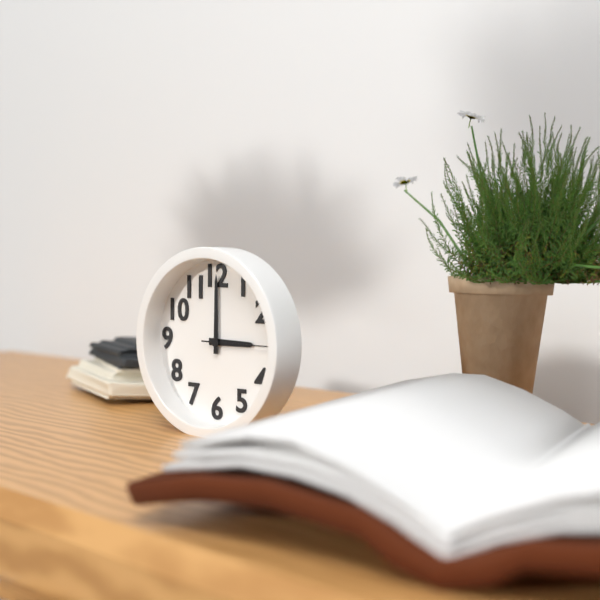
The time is **3:00:15**
